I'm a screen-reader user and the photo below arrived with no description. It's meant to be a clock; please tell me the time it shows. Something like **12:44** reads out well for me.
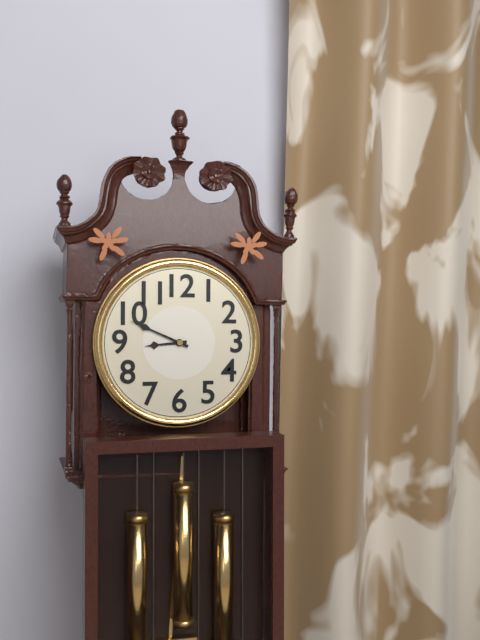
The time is **8:49**
